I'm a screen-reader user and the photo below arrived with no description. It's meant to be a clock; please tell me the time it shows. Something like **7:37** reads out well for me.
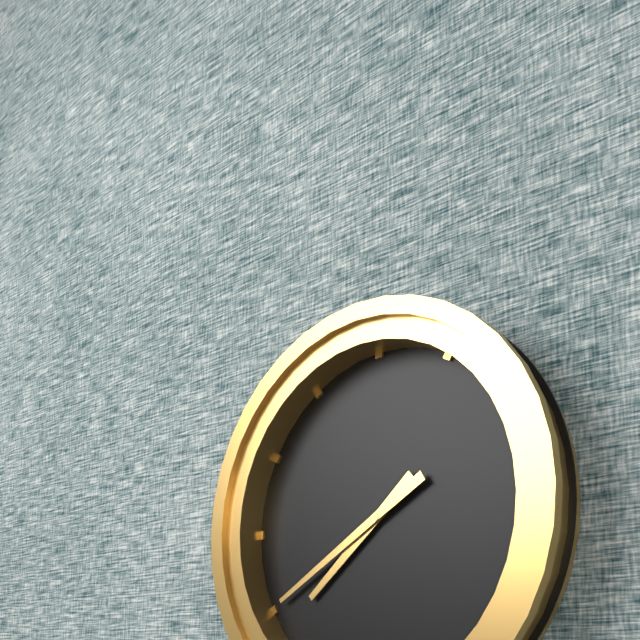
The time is **7:40**
